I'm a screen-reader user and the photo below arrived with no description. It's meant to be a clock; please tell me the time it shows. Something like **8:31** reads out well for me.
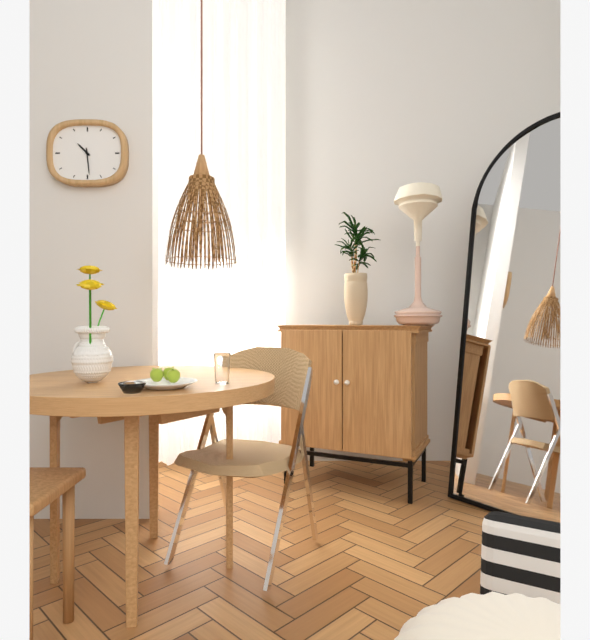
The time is **10:29**
